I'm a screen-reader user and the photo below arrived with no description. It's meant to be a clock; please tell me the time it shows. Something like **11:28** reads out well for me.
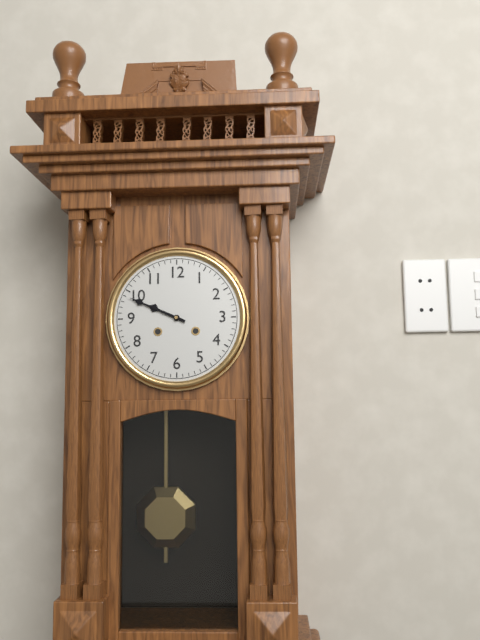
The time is **9:49**
